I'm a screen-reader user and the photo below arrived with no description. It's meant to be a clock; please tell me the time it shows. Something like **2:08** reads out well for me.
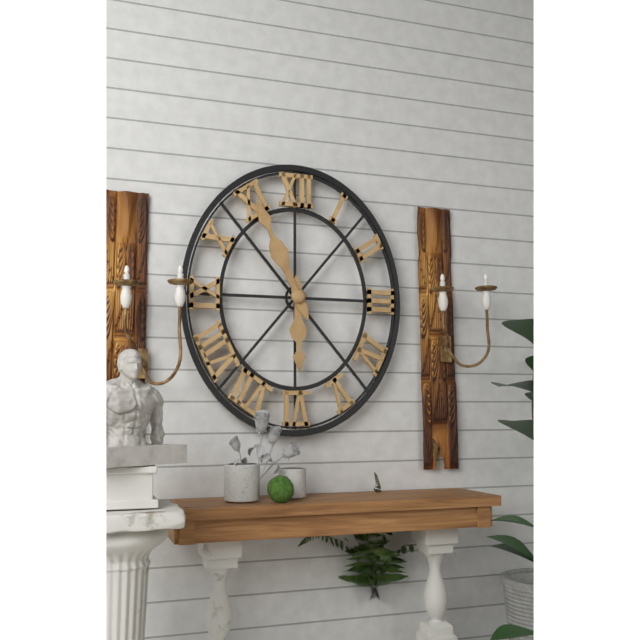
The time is **5:56**
